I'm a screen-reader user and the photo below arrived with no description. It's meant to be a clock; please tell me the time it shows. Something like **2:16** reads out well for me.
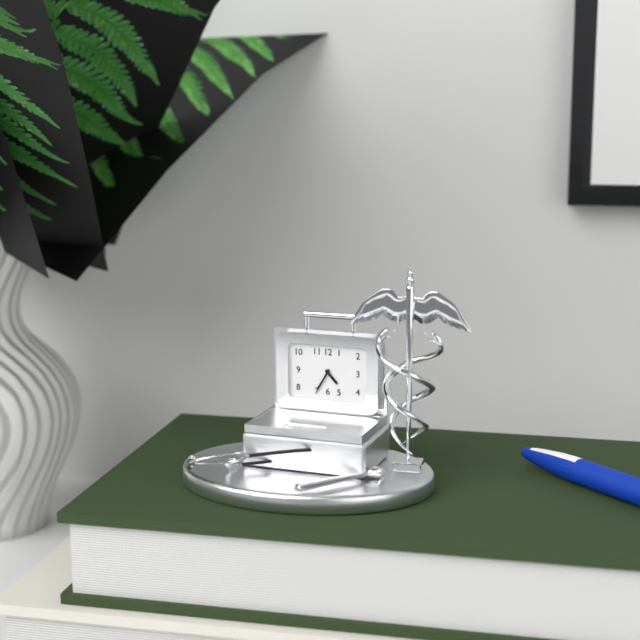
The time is **4:35**
